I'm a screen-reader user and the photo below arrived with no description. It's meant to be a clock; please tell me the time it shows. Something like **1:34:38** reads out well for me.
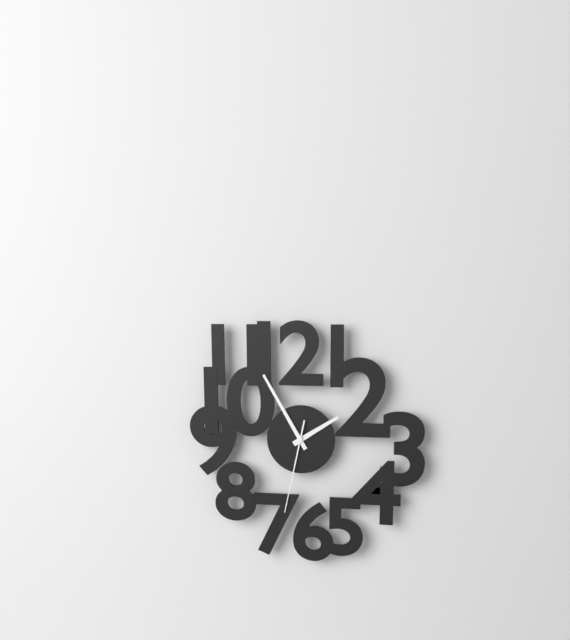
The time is **1:55:32**
